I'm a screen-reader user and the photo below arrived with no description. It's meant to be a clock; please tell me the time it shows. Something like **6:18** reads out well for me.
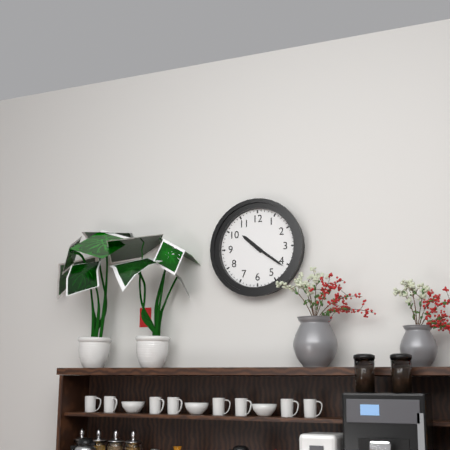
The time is **10:21**
